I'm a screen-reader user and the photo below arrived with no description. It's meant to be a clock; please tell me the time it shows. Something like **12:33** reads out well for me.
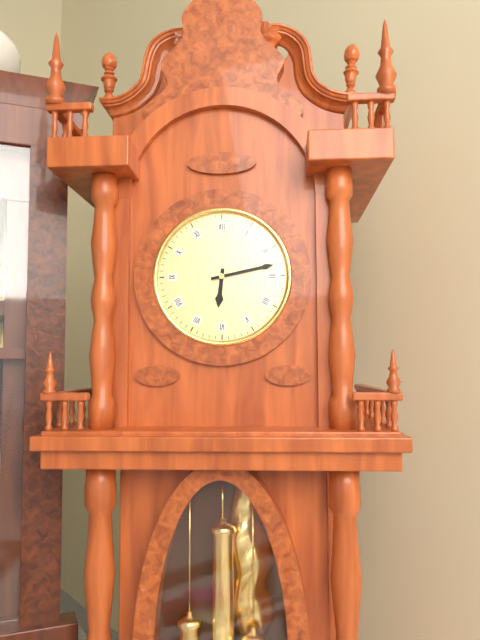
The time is **6:13**
